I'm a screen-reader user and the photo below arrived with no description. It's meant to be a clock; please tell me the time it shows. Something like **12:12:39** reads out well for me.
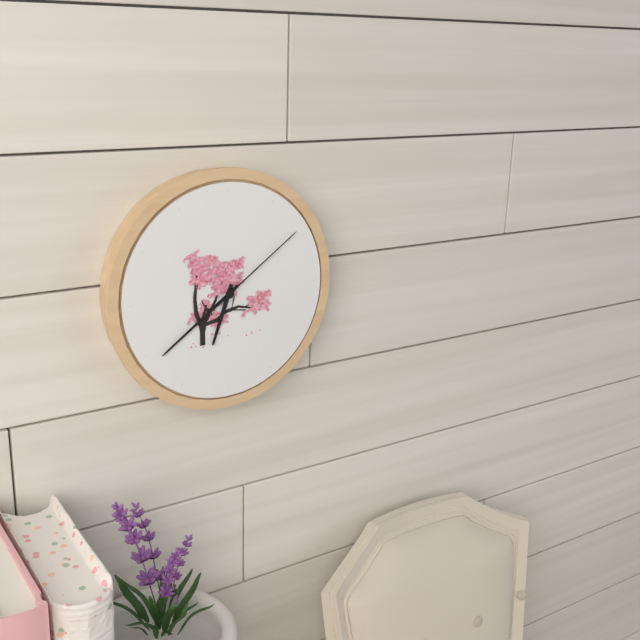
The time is **6:39:09**
